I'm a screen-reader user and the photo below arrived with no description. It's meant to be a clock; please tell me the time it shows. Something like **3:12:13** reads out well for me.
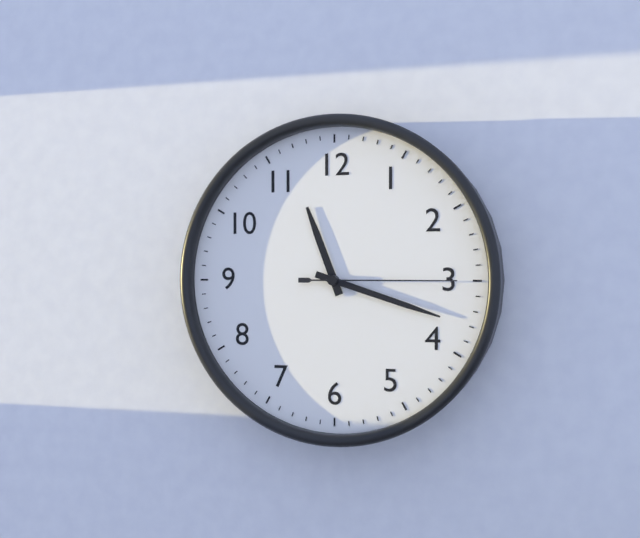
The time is **11:18:15**
